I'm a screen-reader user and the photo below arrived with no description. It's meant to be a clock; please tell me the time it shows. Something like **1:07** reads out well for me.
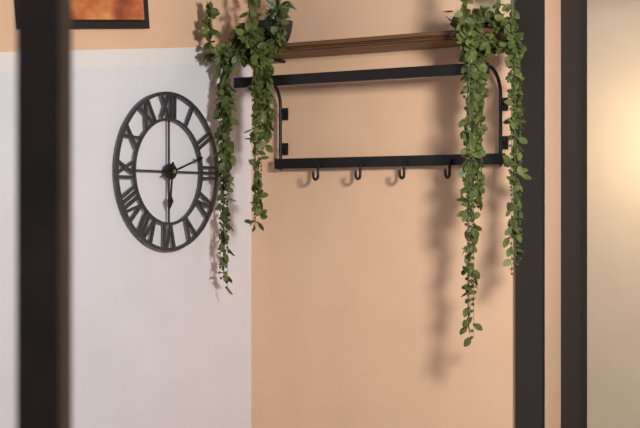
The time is **6:12**
